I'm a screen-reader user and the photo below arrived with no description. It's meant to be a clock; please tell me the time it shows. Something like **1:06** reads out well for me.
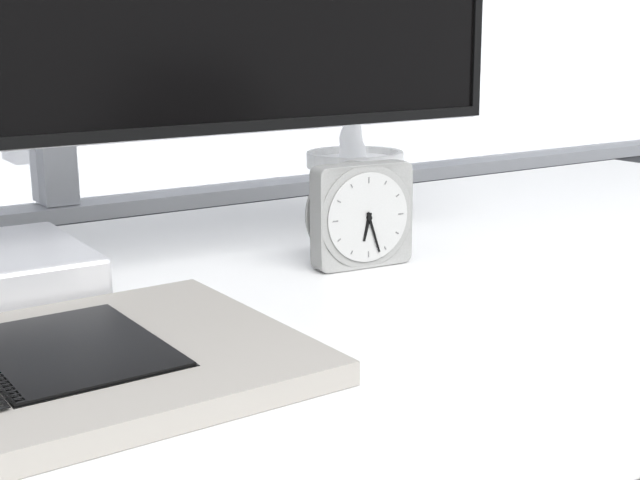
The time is **6:27**
